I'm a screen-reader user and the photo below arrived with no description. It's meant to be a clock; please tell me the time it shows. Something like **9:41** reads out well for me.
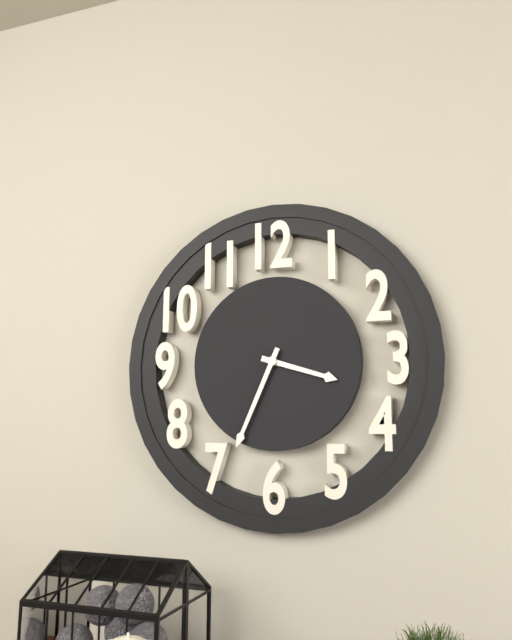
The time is **3:34**
